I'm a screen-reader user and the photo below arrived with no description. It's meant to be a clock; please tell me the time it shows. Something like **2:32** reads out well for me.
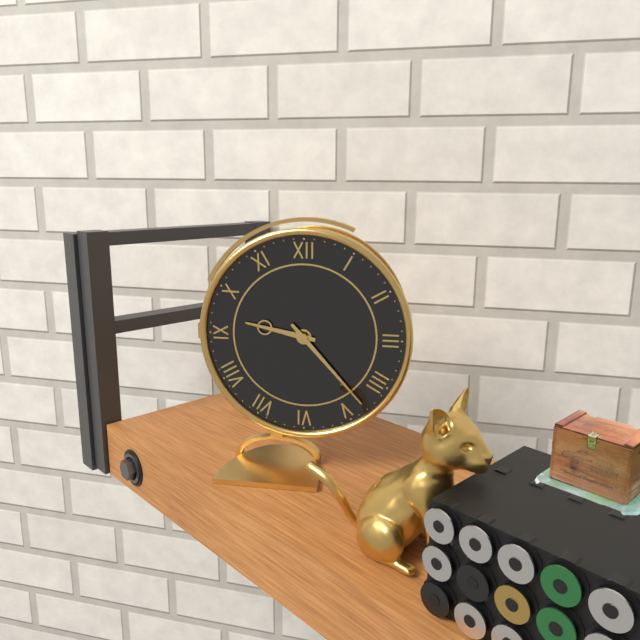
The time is **9:23**
